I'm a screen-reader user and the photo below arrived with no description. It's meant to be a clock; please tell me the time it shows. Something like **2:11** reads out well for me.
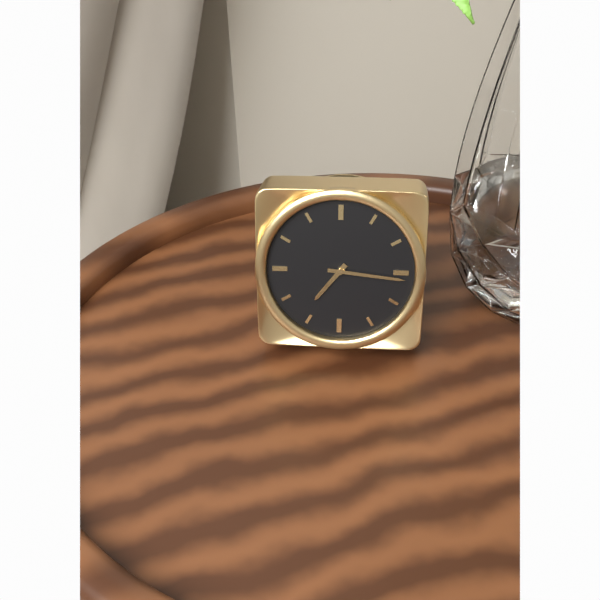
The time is **7:16**
